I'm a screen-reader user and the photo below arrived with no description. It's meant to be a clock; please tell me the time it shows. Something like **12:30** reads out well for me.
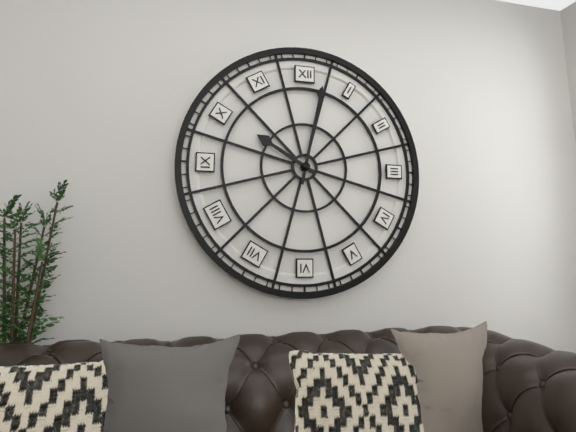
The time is **10:02**
